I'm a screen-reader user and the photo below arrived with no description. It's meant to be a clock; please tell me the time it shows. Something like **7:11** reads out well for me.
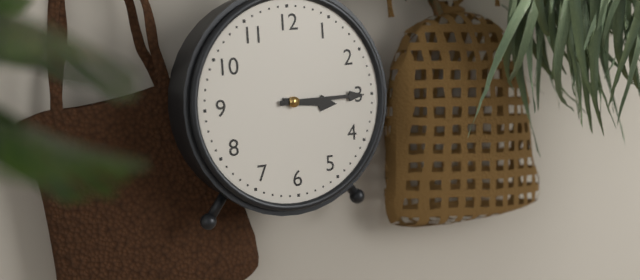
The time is **3:15**
